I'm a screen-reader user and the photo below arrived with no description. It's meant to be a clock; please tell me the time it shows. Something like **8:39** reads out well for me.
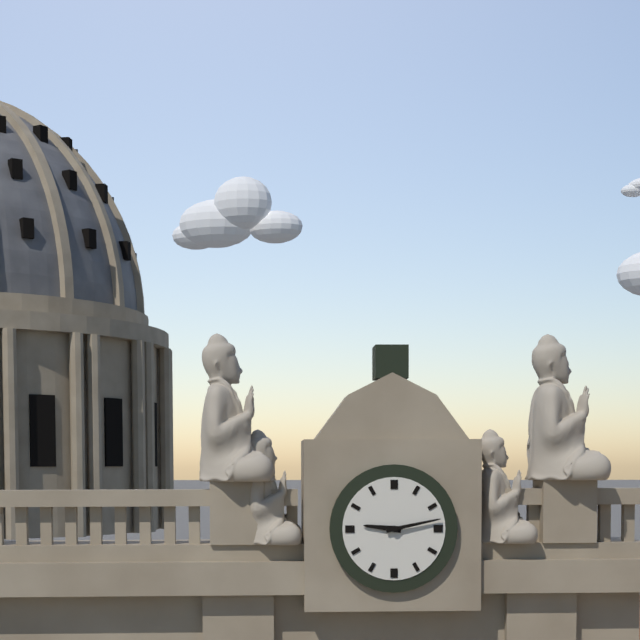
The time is **9:13**
